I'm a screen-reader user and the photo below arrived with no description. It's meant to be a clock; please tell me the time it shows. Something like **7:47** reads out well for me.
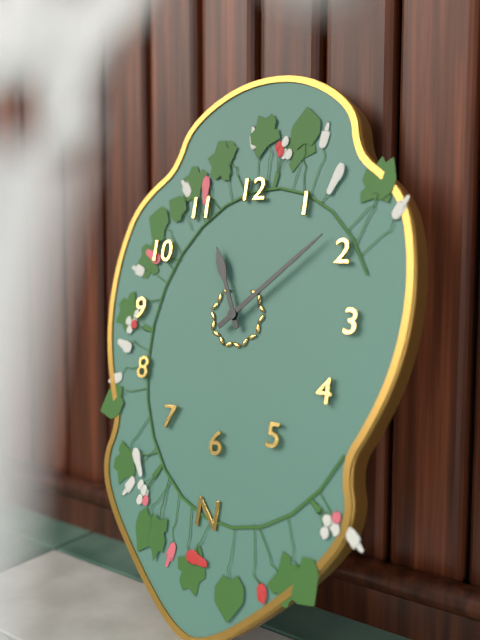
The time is **11:08**
